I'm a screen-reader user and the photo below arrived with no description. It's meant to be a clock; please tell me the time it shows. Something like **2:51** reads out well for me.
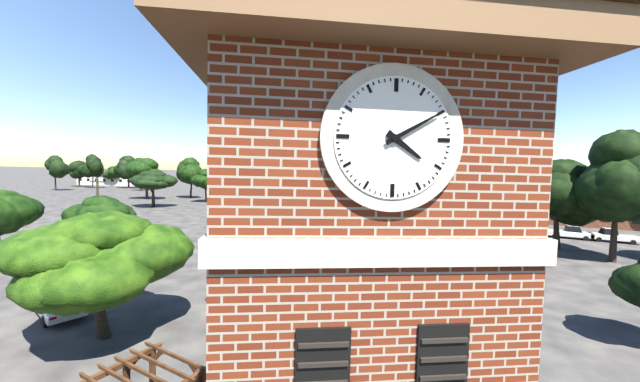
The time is **4:10**
